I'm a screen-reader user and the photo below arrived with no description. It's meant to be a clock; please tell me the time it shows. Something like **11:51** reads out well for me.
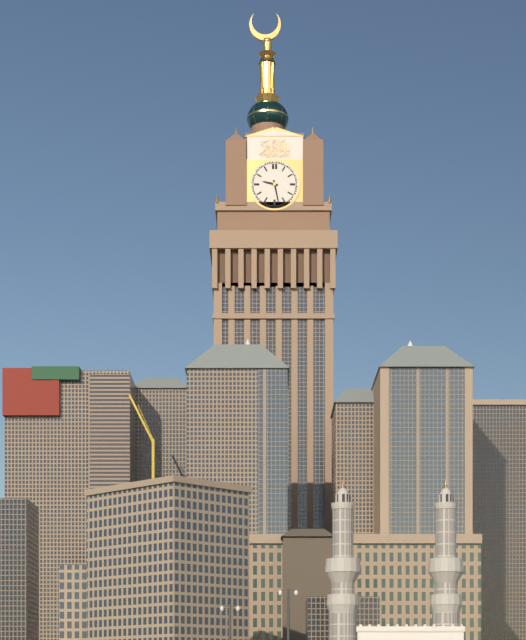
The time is **9:28**
